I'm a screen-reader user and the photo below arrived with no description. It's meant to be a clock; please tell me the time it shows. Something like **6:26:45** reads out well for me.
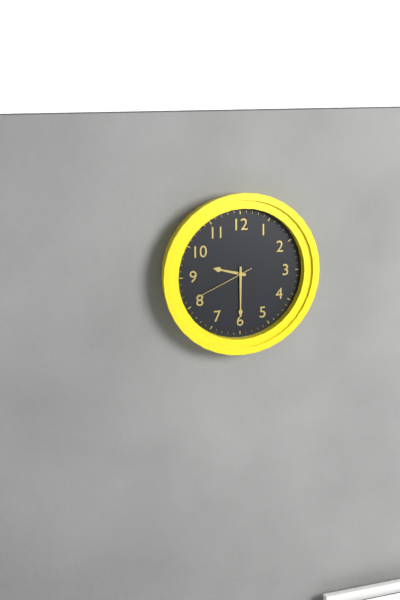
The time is **9:30:41**
